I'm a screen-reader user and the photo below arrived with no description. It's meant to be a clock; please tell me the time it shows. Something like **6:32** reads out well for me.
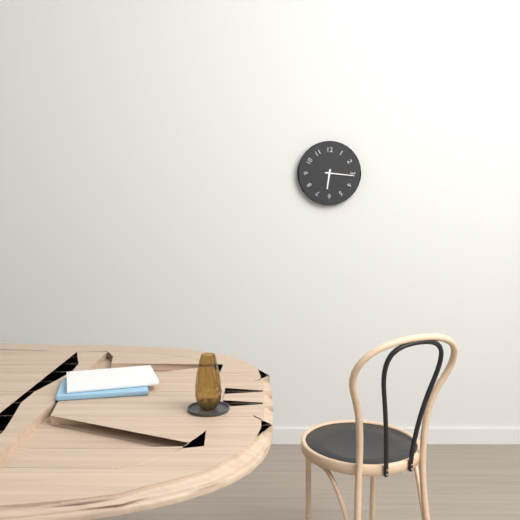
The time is **6:16**
